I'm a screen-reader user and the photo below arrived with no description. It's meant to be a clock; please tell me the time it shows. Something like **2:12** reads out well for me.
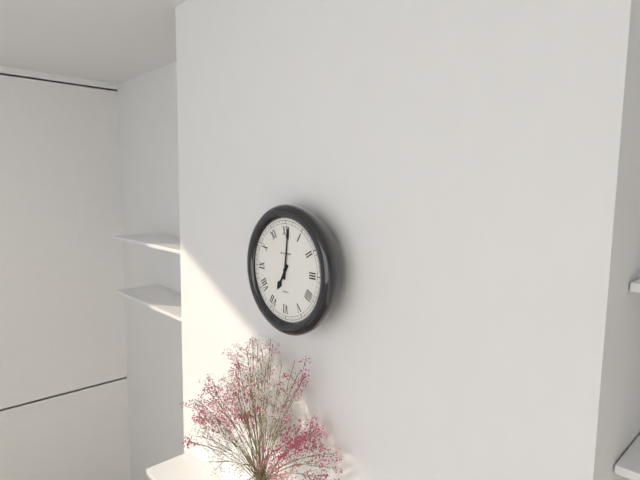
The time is **7:01**
